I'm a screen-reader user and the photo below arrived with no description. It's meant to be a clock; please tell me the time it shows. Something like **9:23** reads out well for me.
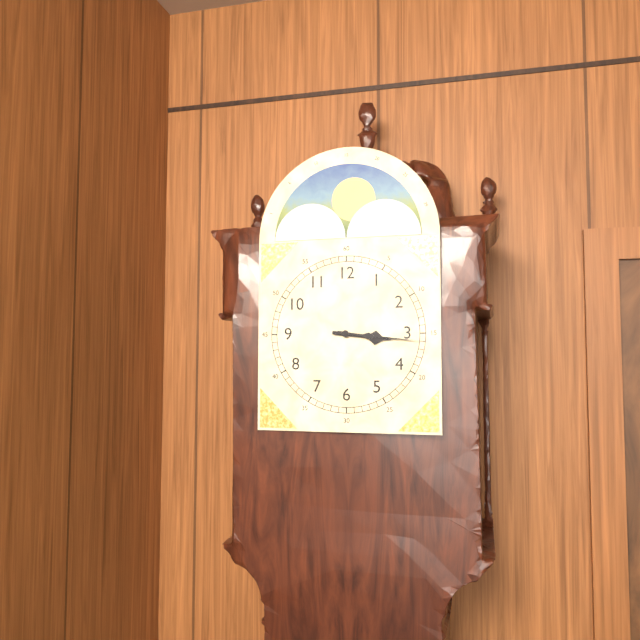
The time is **3:16**
